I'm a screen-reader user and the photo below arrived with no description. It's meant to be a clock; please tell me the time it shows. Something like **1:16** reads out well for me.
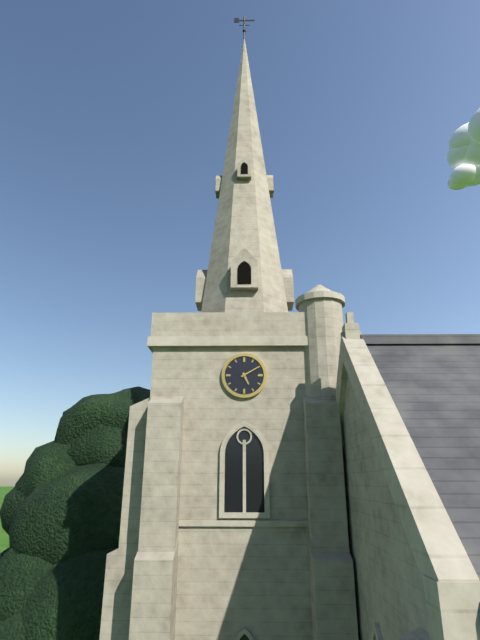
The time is **5:10**
